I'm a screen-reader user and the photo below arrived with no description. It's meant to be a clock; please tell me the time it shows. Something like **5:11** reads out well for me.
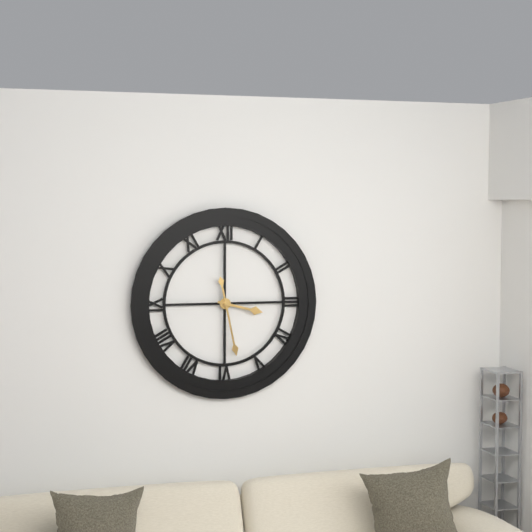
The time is **3:28**
